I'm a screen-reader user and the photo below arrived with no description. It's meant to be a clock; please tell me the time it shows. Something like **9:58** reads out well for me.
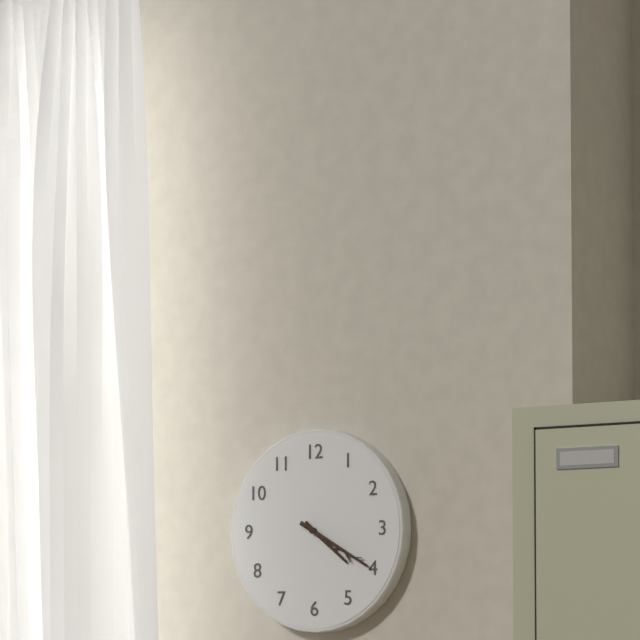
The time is **4:20**
